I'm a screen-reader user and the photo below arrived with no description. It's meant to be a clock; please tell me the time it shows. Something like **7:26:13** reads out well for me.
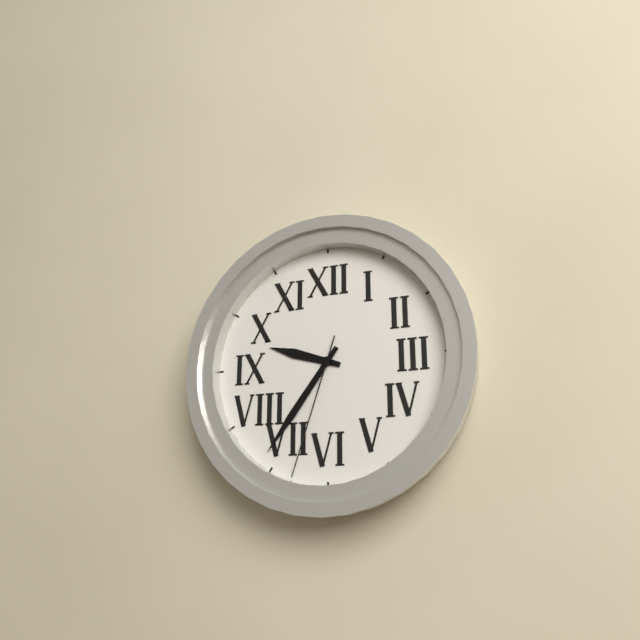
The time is **9:36:33**
